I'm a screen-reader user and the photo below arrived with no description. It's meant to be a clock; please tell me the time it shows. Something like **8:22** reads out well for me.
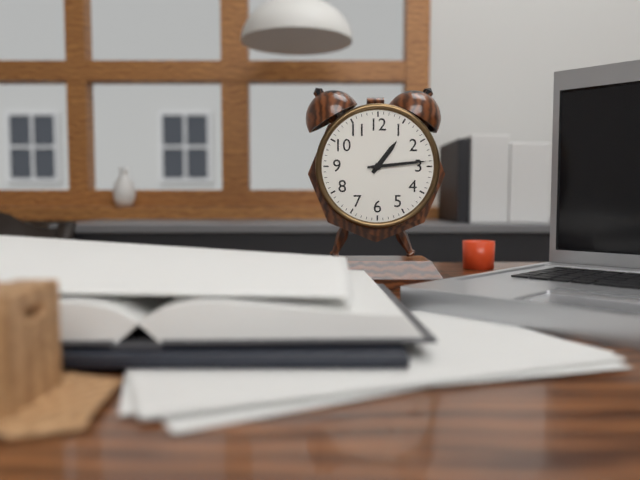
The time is **1:14**
